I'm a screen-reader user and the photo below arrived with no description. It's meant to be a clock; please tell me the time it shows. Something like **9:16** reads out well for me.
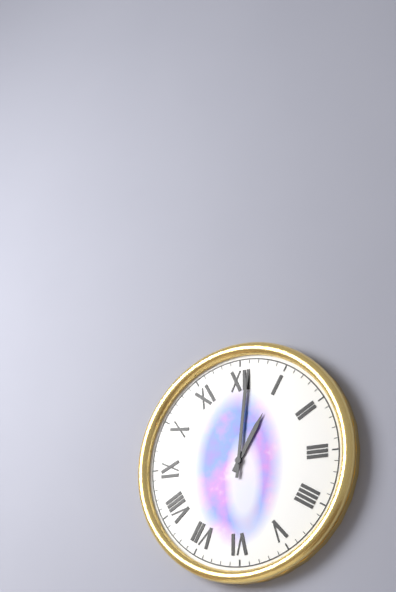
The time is **1:01**
